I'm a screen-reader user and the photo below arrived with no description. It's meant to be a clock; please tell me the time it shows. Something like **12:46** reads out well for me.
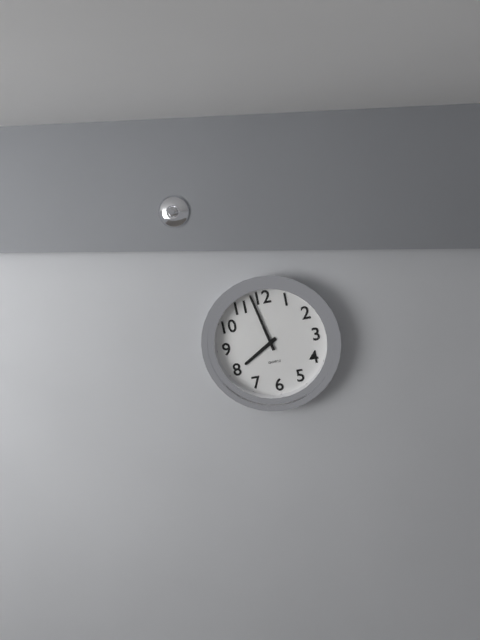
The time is **7:58**
